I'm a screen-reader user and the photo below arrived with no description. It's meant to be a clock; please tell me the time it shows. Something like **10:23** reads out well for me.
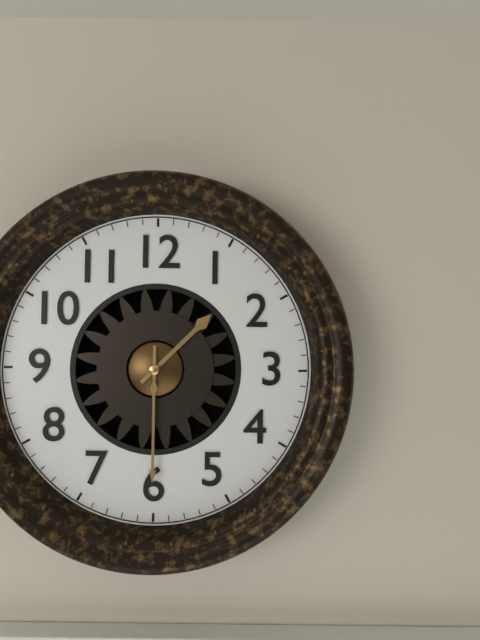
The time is **1:30**
